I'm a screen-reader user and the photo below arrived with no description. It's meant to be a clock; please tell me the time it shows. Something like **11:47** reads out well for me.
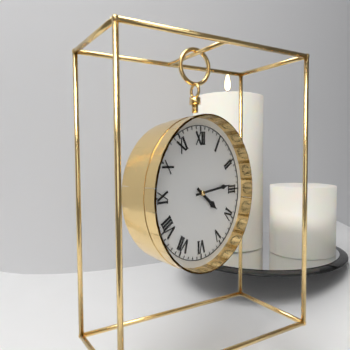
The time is **4:14**
